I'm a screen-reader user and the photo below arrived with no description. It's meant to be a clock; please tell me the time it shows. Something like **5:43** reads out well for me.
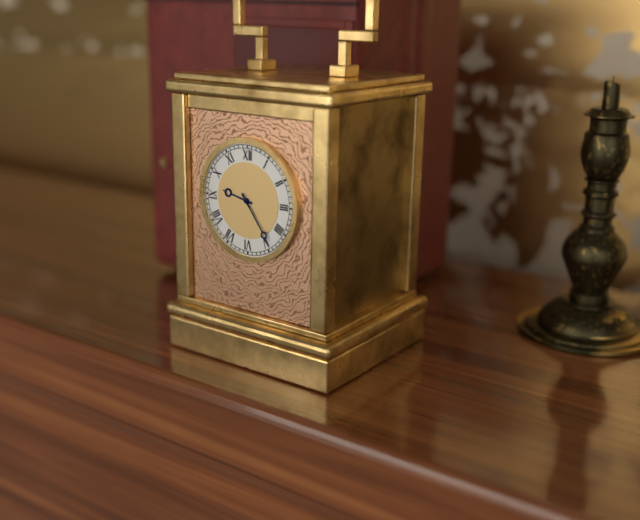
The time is **9:24**
